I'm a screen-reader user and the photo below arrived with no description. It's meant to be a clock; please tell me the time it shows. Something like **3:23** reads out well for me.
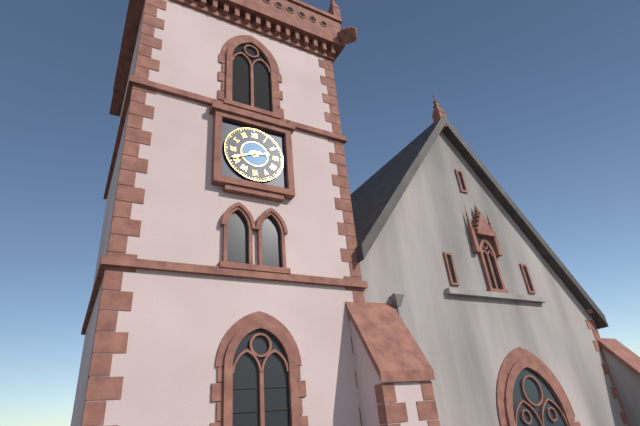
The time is **2:41**
